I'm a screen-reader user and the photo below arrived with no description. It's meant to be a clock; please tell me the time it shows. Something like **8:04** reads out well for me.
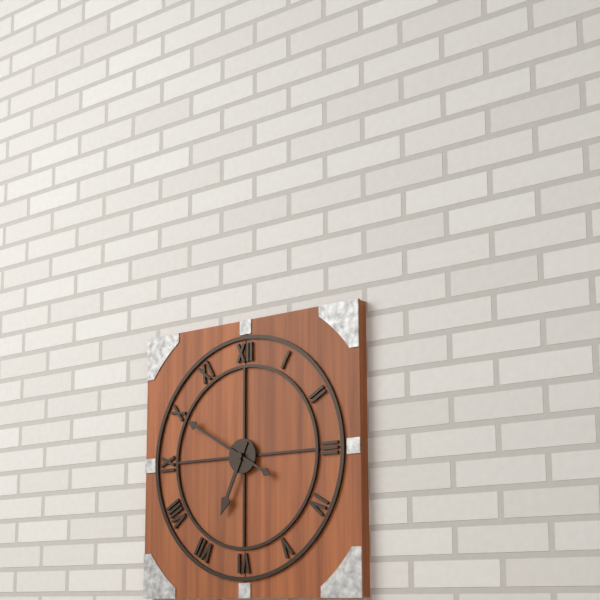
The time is **6:50**
